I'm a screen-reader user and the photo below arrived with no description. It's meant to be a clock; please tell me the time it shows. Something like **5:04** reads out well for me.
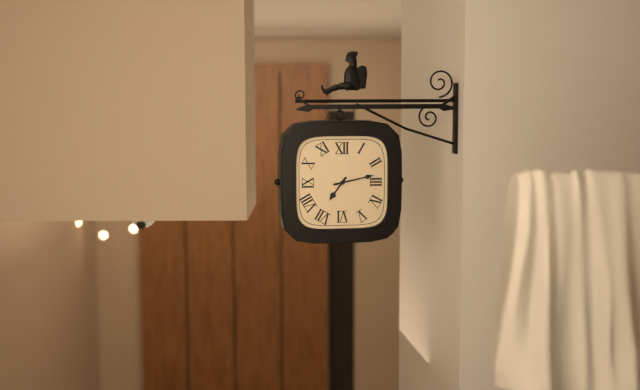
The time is **7:13**
